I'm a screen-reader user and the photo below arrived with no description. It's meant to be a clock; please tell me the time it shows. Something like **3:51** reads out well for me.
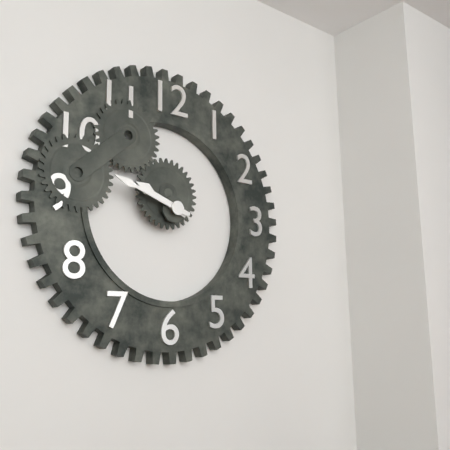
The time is **9:48**
